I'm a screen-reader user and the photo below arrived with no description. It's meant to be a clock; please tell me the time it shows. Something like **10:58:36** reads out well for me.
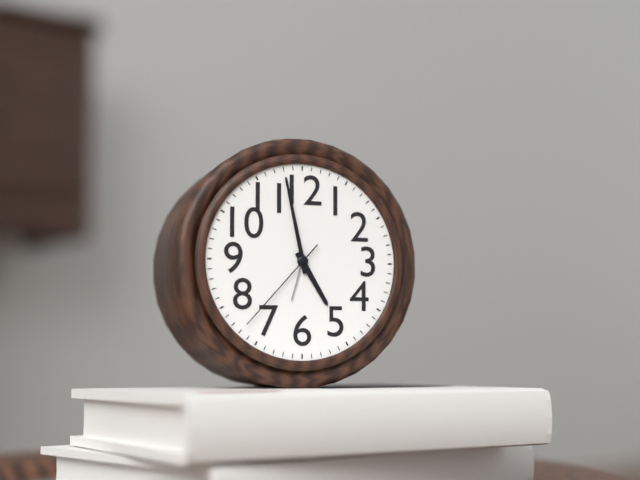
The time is **4:58:37**
